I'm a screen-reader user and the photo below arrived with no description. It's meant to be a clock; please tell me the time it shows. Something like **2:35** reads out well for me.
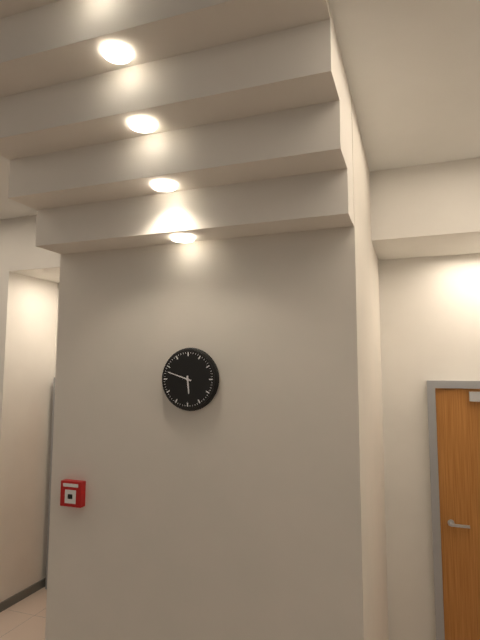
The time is **5:48**
